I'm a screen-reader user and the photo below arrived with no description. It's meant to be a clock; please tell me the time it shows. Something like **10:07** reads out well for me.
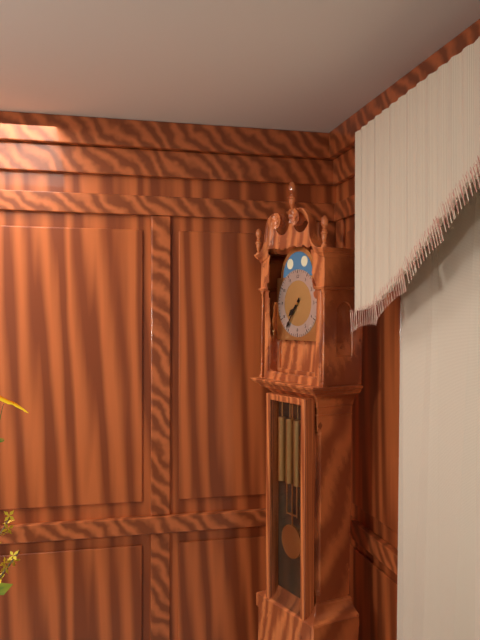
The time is **7:36**
